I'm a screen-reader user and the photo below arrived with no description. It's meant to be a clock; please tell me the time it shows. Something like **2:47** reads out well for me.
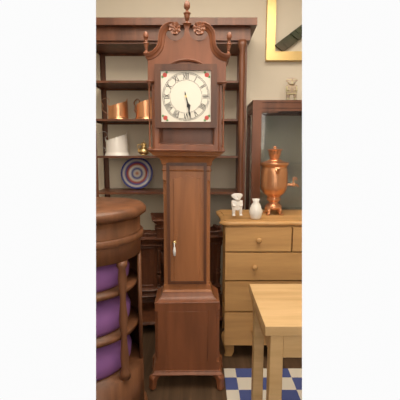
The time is **5:28**
